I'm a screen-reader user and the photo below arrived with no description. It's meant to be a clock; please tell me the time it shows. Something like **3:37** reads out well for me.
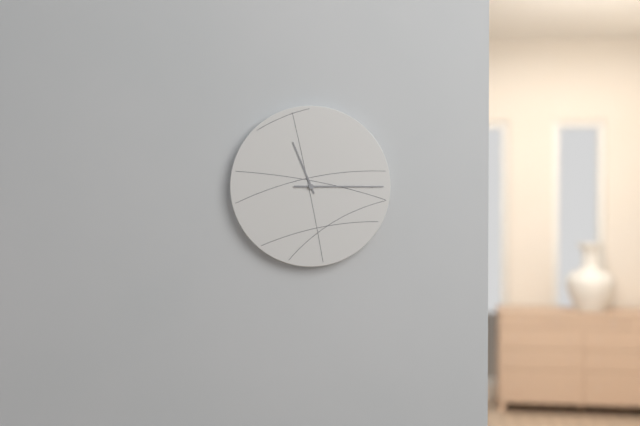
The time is **11:15**
